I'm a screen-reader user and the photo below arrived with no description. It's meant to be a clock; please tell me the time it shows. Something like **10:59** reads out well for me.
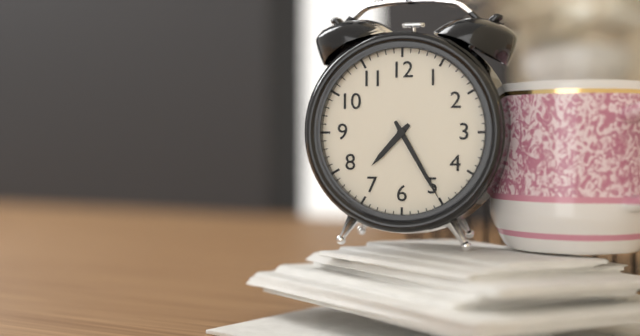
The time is **7:25**
